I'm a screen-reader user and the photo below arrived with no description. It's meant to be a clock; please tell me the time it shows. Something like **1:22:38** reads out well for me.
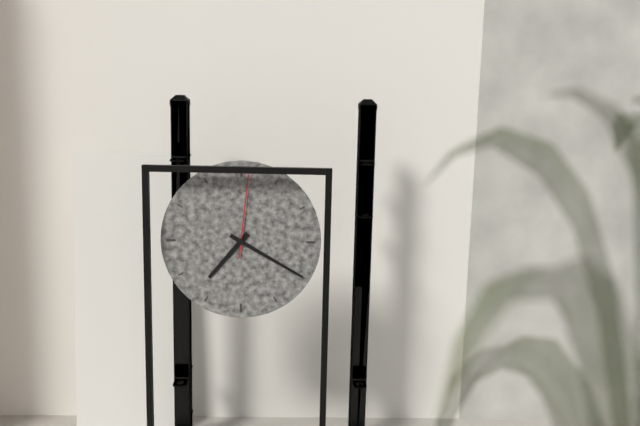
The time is **7:20:01**
